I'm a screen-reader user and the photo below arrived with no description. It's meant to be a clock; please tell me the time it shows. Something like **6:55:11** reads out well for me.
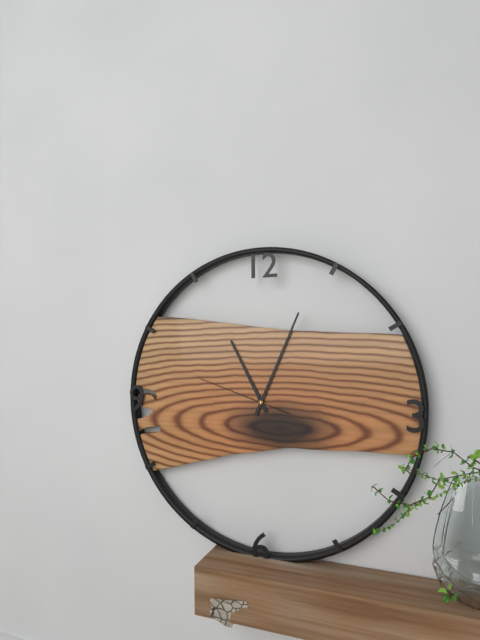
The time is **11:04:48**
